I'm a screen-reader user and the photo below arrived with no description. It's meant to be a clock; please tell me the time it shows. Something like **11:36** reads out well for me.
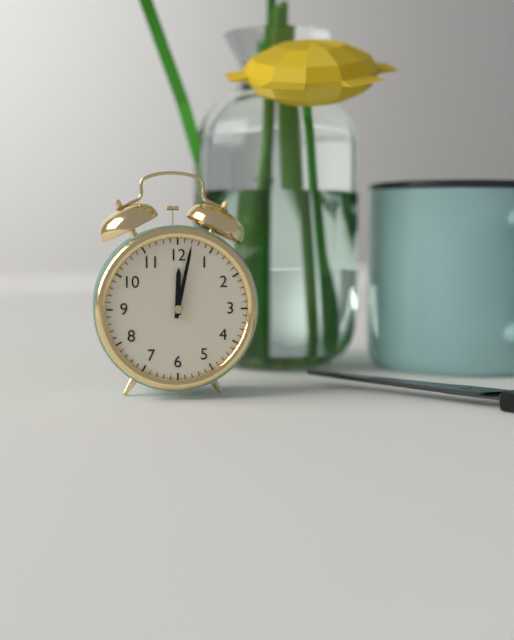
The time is **12:02**
